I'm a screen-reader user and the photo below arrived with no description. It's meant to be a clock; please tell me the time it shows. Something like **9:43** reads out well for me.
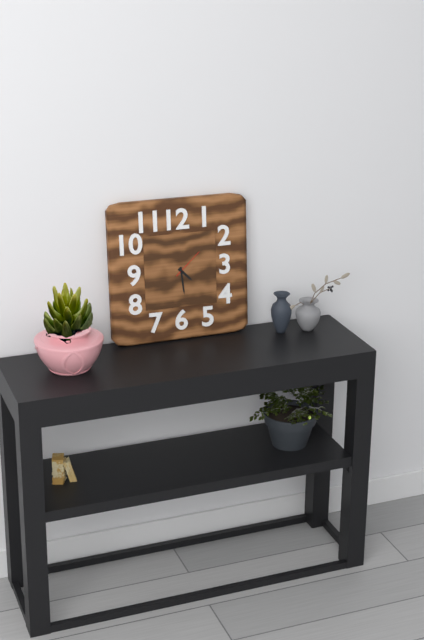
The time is **4:29**
